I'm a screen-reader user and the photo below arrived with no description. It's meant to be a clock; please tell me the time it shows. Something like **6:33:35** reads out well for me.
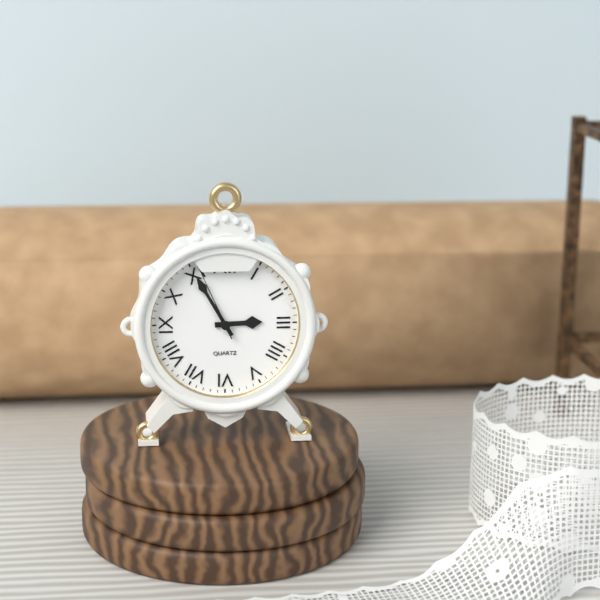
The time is **2:55:56**
